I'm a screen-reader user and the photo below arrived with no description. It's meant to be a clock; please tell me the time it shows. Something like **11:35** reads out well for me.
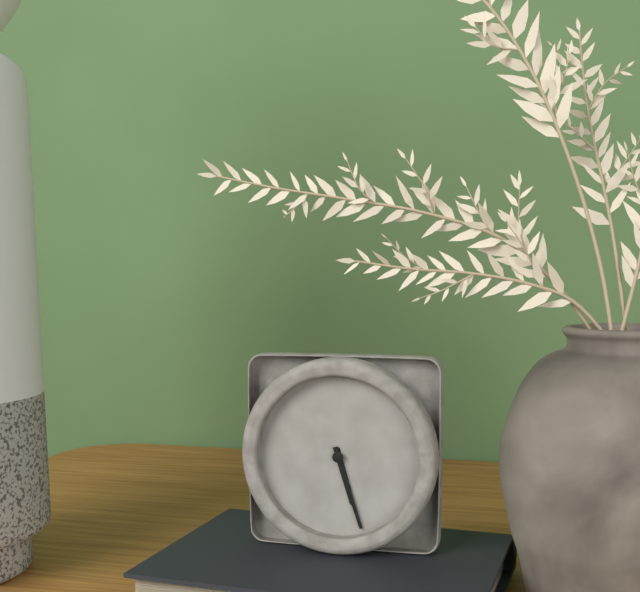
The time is **5:27**
